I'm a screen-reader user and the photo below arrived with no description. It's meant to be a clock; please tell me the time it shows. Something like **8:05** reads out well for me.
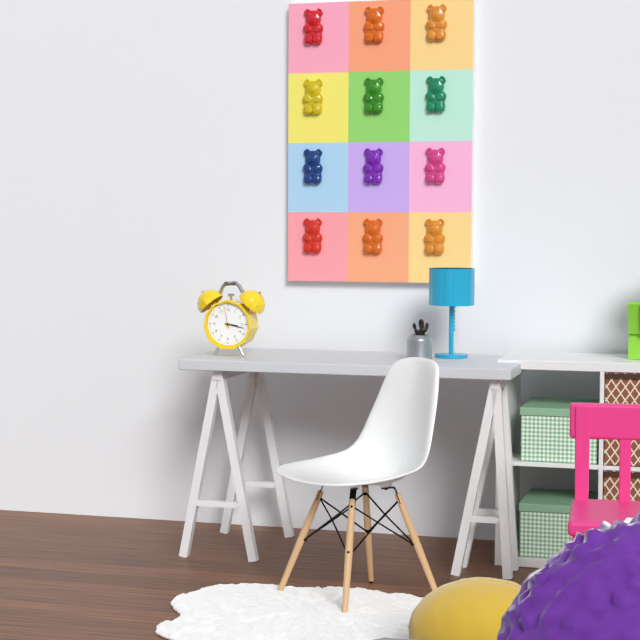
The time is **3:17**
